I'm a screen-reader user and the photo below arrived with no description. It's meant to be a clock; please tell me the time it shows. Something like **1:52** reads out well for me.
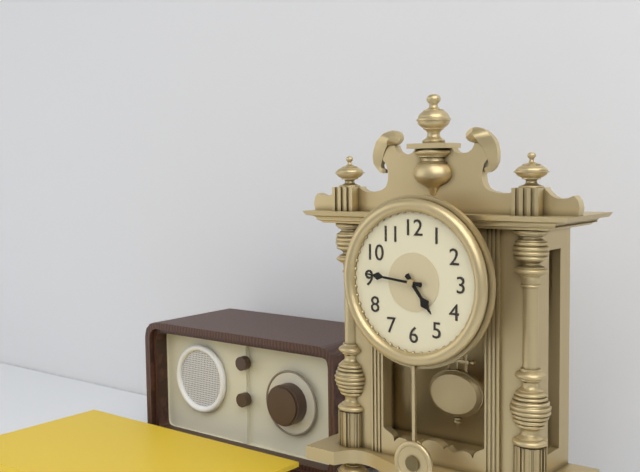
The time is **4:46**
